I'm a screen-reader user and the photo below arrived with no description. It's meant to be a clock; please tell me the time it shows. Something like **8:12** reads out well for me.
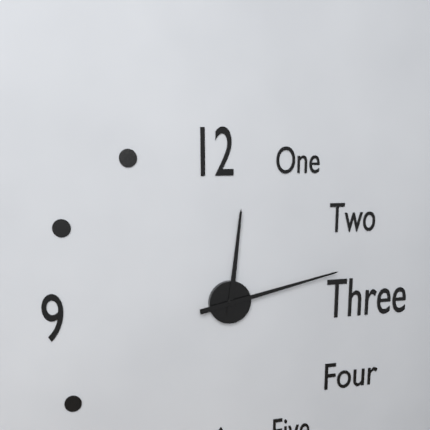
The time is **12:13**
